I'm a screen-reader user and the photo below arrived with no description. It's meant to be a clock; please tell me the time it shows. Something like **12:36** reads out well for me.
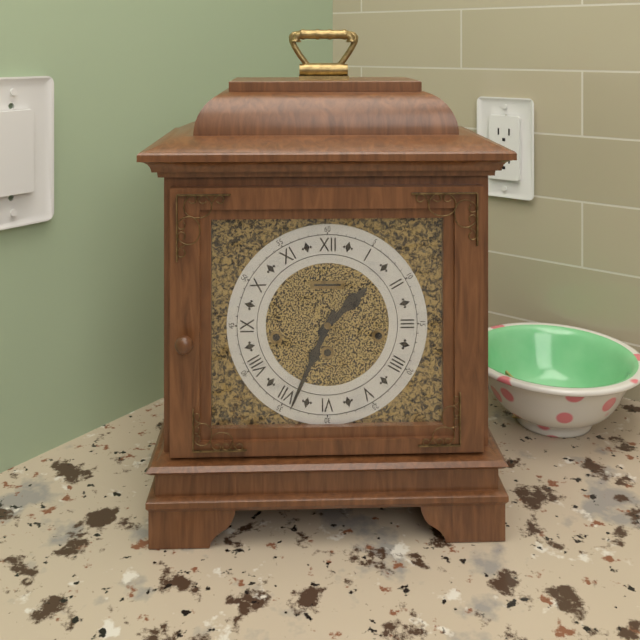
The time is **1:34**
